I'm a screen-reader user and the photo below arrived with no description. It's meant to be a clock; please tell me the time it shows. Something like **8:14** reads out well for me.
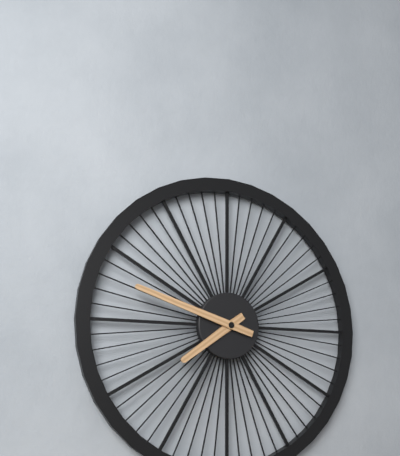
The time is **7:48**
